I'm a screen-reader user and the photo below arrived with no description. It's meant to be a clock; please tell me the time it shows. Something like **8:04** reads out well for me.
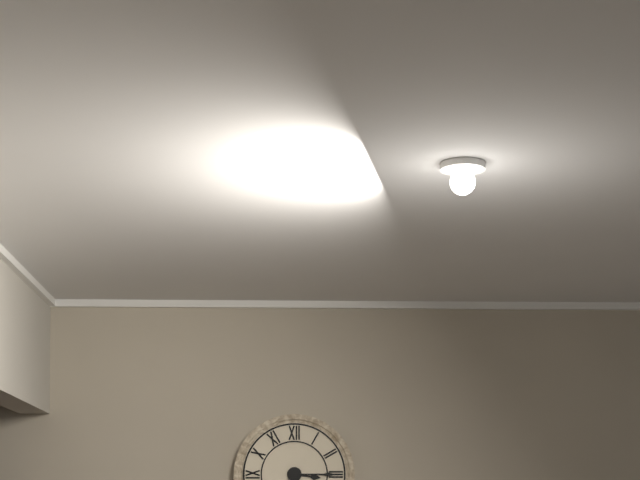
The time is **3:15**
